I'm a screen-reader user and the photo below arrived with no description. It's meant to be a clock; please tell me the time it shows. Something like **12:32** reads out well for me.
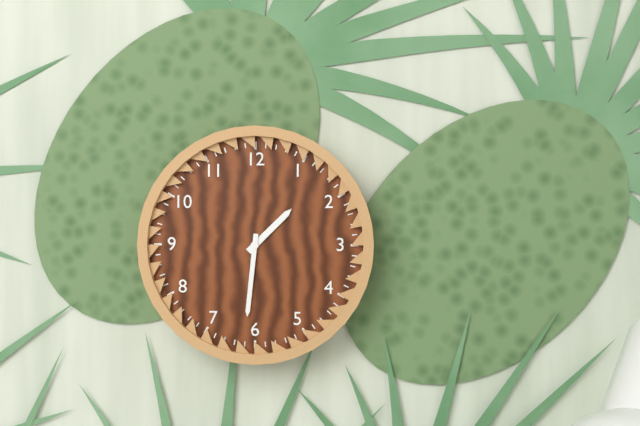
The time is **1:31**
